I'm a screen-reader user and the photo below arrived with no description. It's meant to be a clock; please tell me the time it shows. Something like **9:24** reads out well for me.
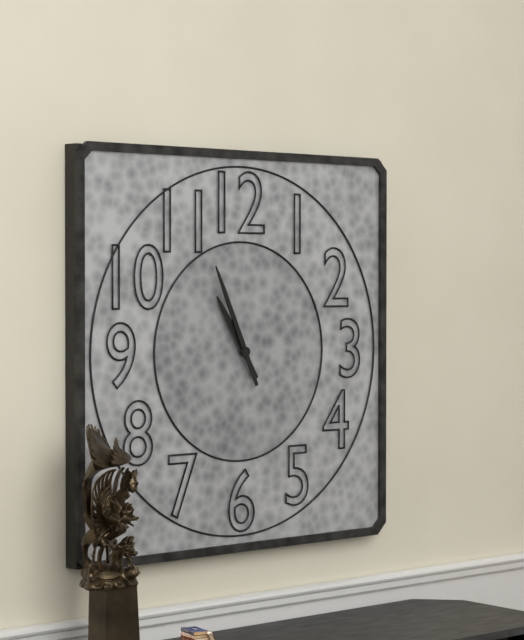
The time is **10:56**
